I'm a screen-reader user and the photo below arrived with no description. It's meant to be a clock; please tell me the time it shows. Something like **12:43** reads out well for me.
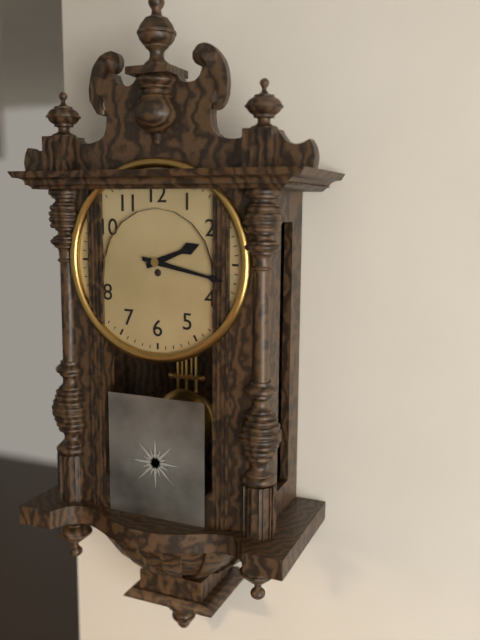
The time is **2:17**
